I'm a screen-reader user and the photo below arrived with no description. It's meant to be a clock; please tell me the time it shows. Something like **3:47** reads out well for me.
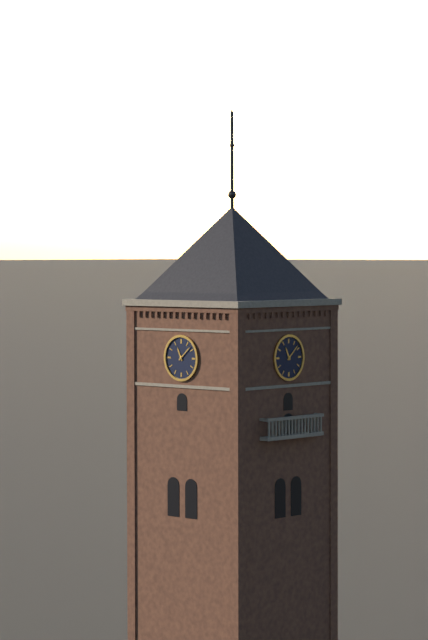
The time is **11:08**
